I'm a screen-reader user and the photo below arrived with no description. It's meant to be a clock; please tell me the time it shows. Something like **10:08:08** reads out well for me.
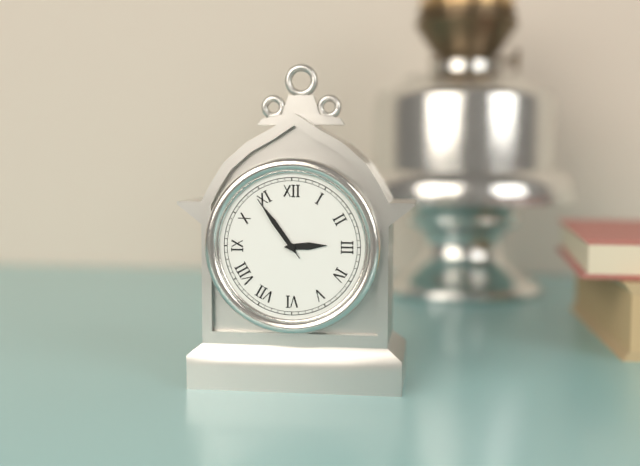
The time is **2:54:54**
